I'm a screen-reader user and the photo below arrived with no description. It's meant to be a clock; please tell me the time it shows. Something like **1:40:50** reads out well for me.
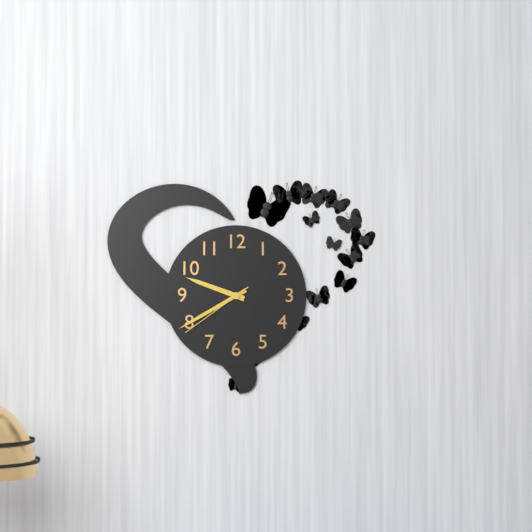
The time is **9:40:39**
